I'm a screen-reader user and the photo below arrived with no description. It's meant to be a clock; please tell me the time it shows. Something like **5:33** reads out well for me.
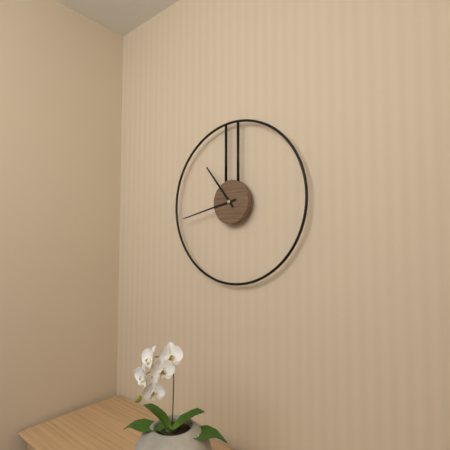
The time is **10:43**
